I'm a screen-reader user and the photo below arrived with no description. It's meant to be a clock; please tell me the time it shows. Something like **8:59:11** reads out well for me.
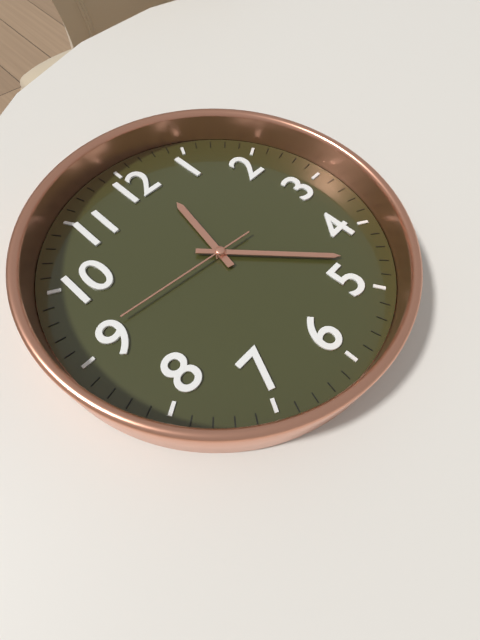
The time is **12:23:46**
